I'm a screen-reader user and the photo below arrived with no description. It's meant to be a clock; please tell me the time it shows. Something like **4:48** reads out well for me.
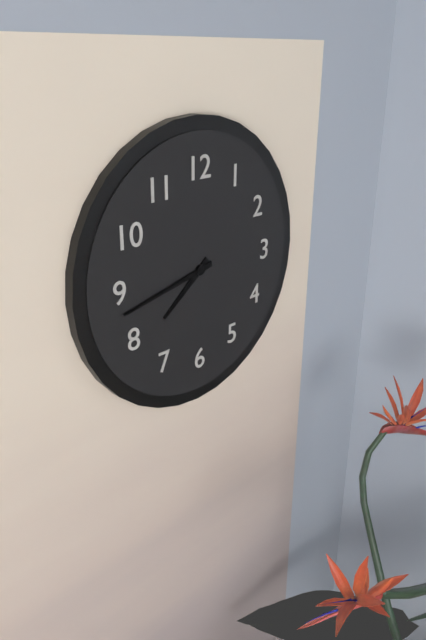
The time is **7:43**
